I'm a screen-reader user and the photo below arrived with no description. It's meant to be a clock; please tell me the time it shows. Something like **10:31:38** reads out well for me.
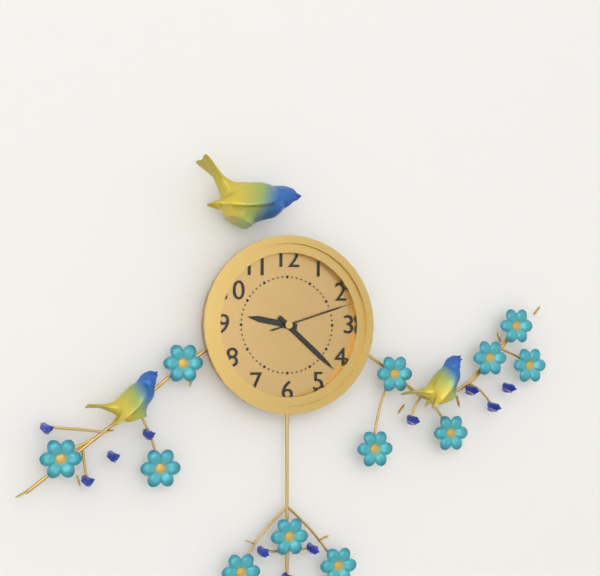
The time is **9:22:12**
